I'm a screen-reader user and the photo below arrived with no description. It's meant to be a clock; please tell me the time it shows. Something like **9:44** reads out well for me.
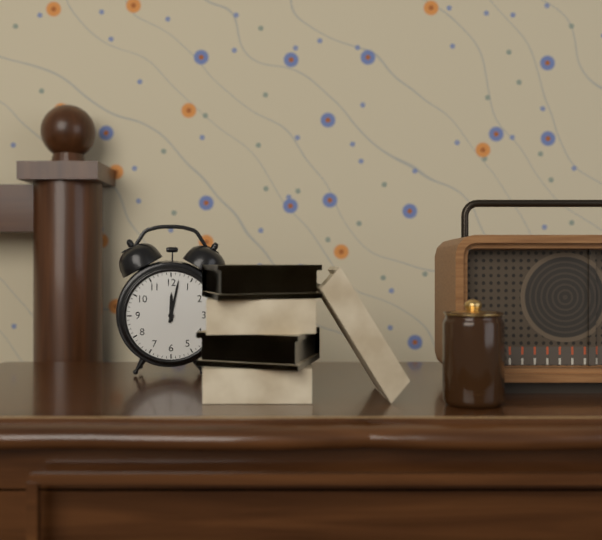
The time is **12:02**
